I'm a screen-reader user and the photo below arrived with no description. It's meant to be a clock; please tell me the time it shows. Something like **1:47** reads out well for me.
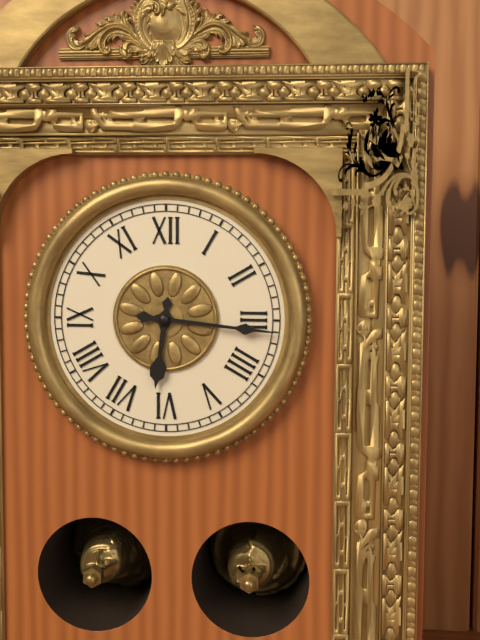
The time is **6:16**
